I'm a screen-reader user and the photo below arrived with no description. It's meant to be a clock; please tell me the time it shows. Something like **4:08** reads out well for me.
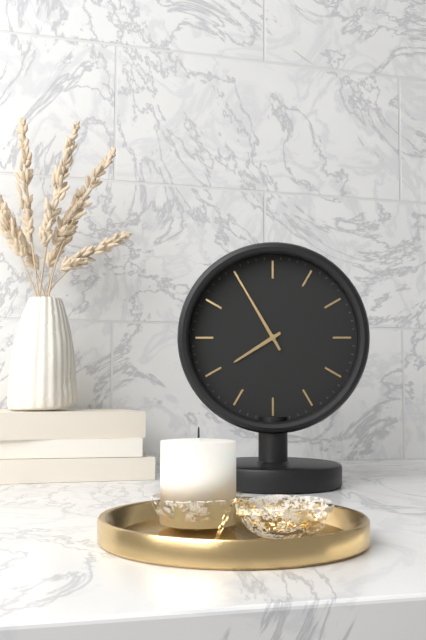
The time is **7:55**
